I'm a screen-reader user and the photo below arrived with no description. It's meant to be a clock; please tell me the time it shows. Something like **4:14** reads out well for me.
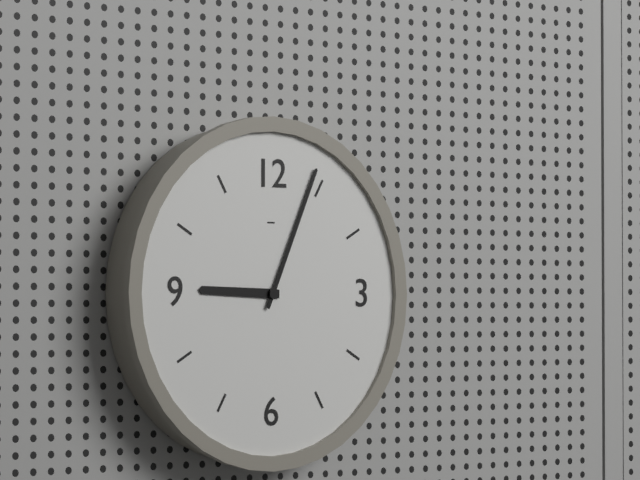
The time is **9:04**
